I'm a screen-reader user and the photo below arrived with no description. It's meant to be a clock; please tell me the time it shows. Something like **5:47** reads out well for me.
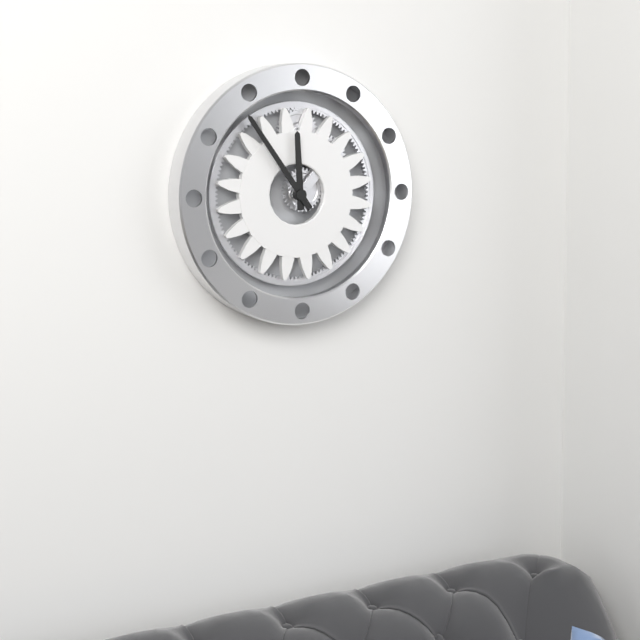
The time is **11:54**
